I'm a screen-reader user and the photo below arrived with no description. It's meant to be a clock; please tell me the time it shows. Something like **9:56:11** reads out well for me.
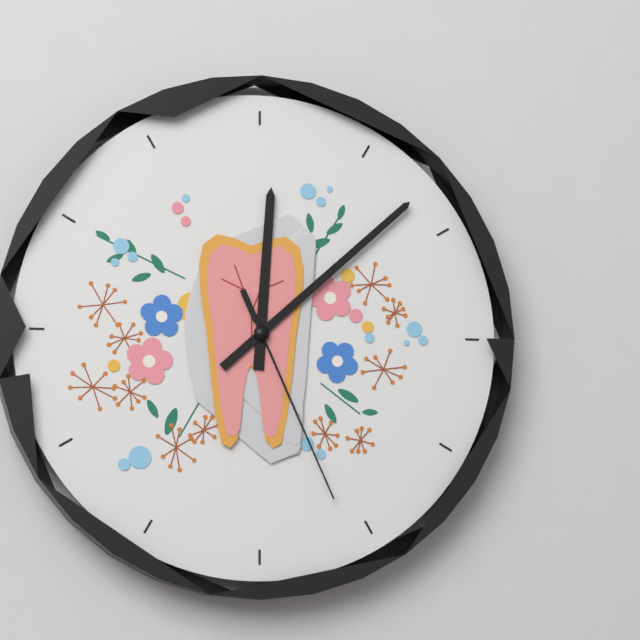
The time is **12:08:26**
